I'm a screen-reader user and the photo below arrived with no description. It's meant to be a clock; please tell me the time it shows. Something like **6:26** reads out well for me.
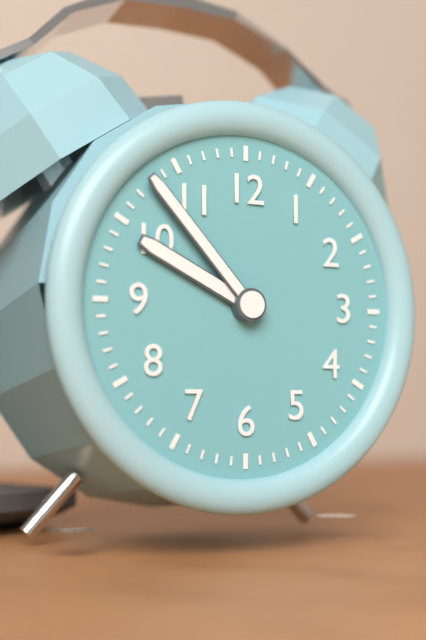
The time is **9:53**
